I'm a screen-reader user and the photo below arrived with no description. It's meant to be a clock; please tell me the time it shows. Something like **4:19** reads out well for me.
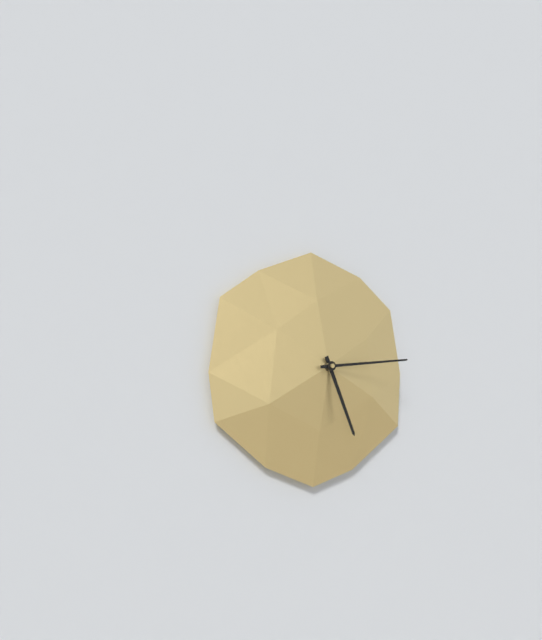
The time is **5:14**
